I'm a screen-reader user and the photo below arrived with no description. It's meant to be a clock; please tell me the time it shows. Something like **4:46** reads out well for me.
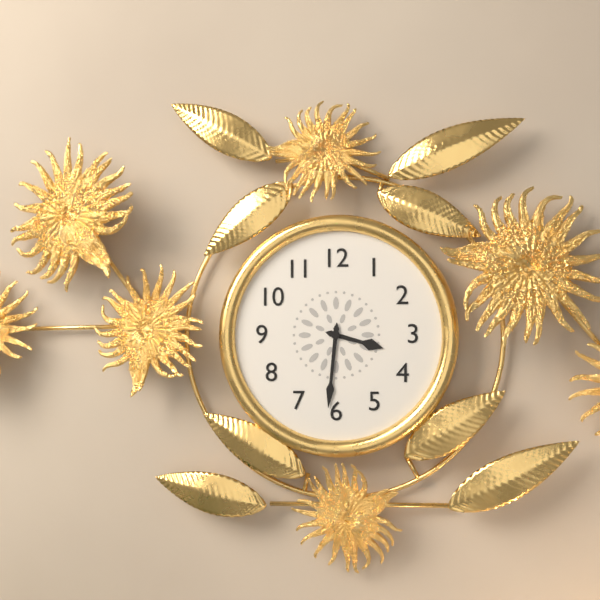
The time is **3:31**
